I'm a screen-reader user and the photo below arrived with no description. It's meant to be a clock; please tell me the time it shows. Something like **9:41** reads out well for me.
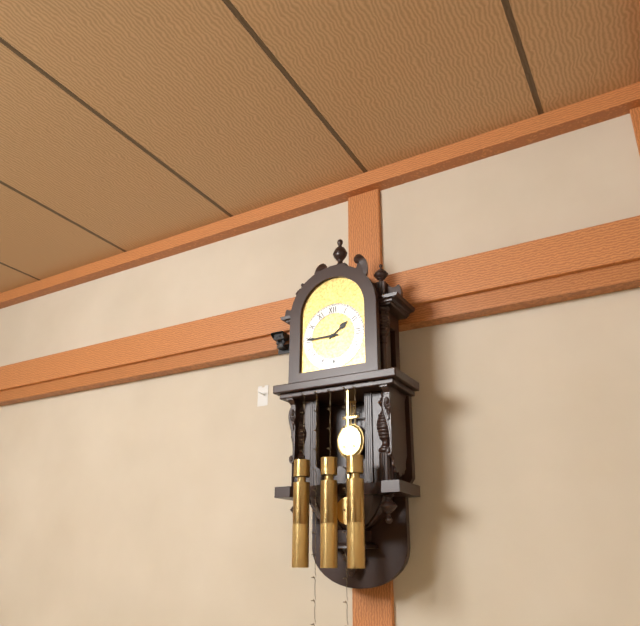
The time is **1:45**
